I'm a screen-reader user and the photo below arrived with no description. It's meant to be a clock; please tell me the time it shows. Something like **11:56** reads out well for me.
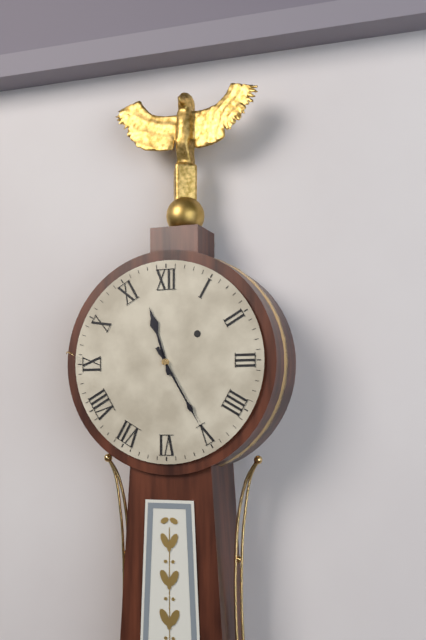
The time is **11:25**
